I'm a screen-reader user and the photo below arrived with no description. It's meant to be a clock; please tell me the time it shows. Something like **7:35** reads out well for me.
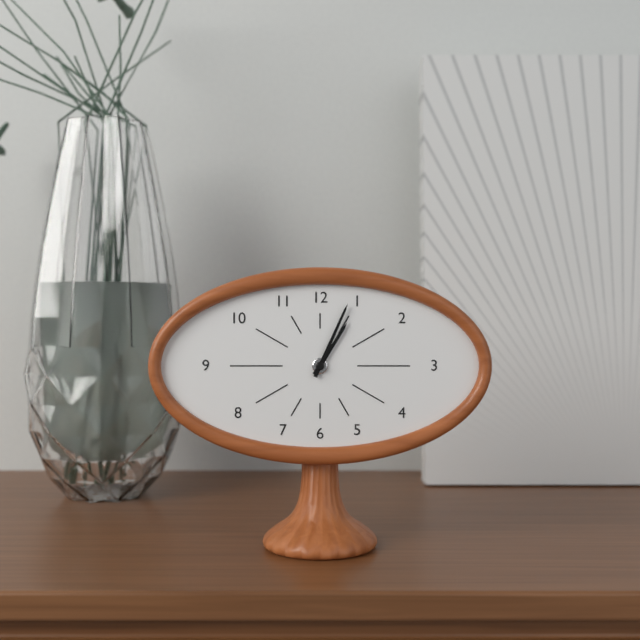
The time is **1:04**
